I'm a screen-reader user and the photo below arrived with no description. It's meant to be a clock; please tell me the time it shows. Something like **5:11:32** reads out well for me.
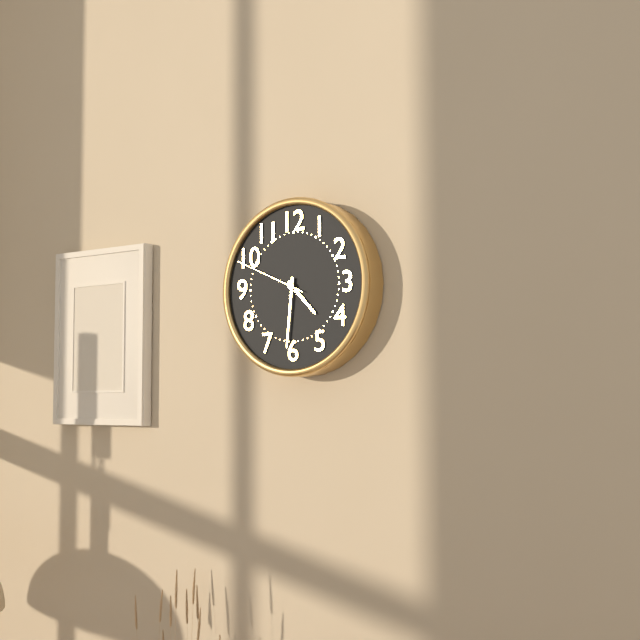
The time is **4:31:49**
